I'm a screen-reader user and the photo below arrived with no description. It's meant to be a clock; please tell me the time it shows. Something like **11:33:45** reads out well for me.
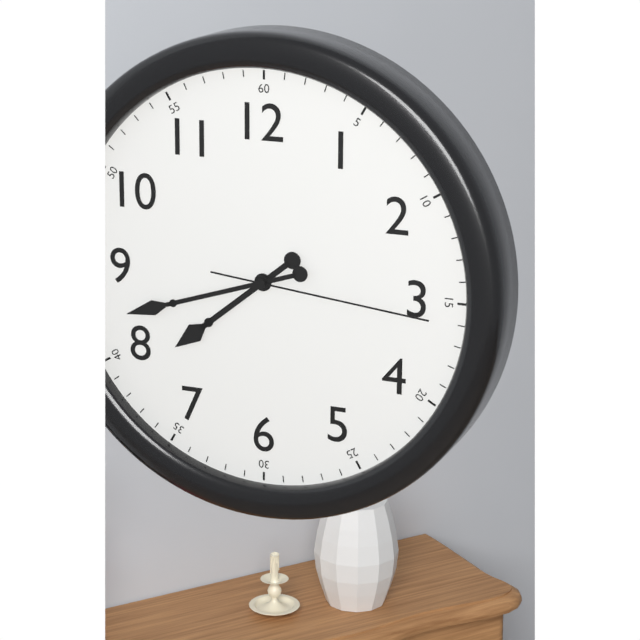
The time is **7:42:16**
